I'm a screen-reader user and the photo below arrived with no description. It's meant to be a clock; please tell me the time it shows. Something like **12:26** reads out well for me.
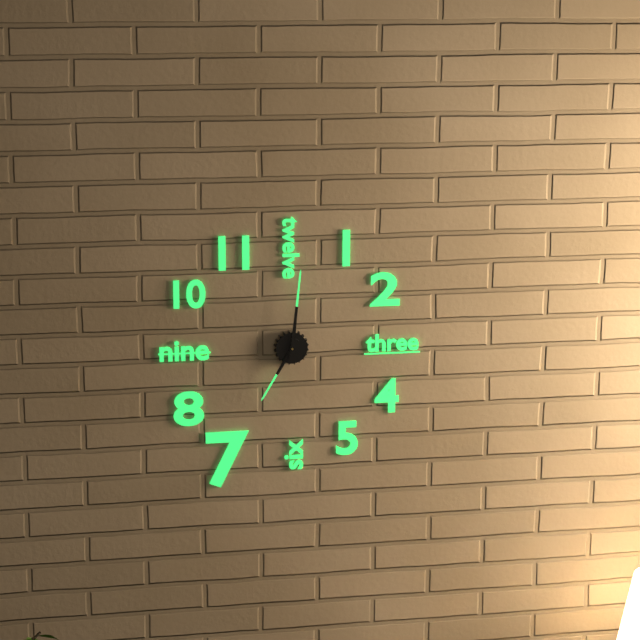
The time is **7:01**
